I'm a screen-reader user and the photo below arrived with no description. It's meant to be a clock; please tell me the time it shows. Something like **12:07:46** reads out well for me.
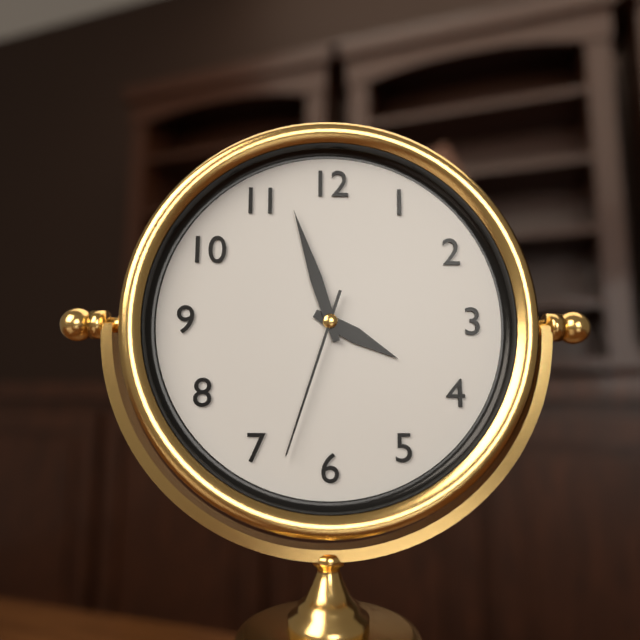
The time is **3:57:33**
